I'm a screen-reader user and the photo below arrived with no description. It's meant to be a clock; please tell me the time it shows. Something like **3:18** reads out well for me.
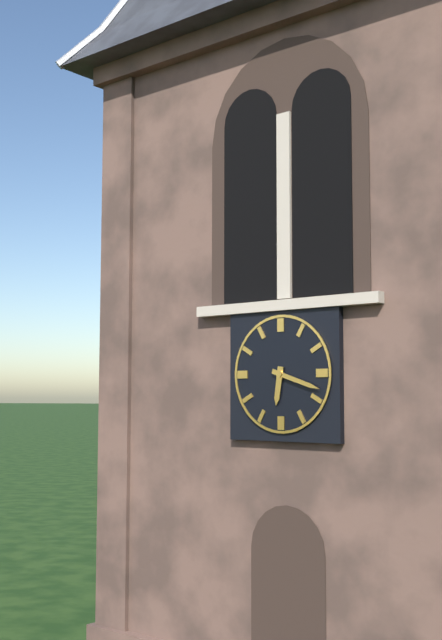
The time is **6:18**
